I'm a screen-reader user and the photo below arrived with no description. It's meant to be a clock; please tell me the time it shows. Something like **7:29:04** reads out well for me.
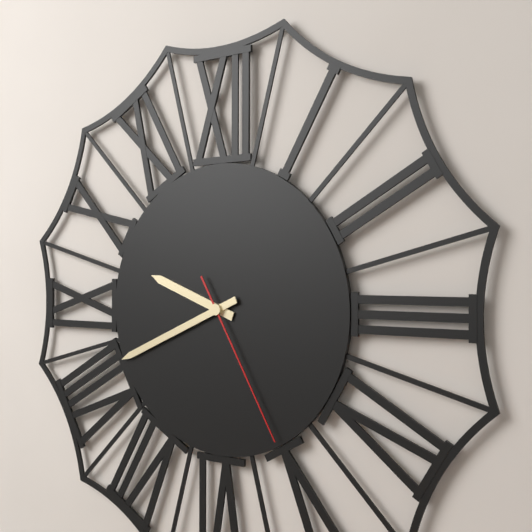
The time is **9:41:25**
